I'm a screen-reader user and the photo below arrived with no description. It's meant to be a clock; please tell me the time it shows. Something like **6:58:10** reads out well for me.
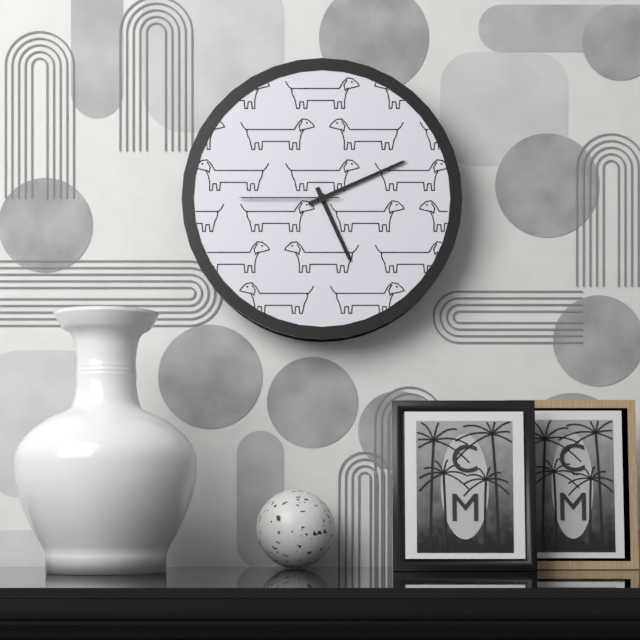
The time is **5:11:45**
